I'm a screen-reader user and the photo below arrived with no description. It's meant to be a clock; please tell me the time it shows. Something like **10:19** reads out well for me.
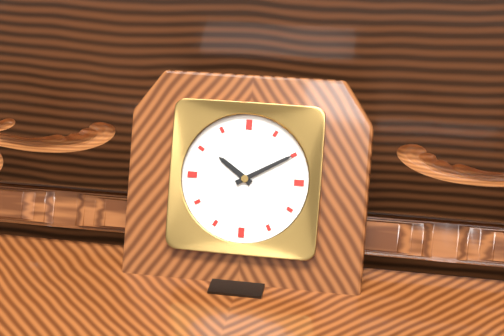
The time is **10:10**
